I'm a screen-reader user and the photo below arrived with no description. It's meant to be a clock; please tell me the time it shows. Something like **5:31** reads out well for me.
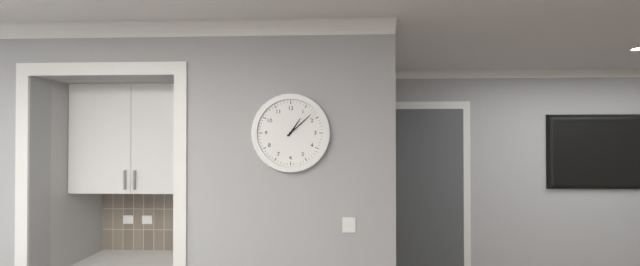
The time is **1:08**
